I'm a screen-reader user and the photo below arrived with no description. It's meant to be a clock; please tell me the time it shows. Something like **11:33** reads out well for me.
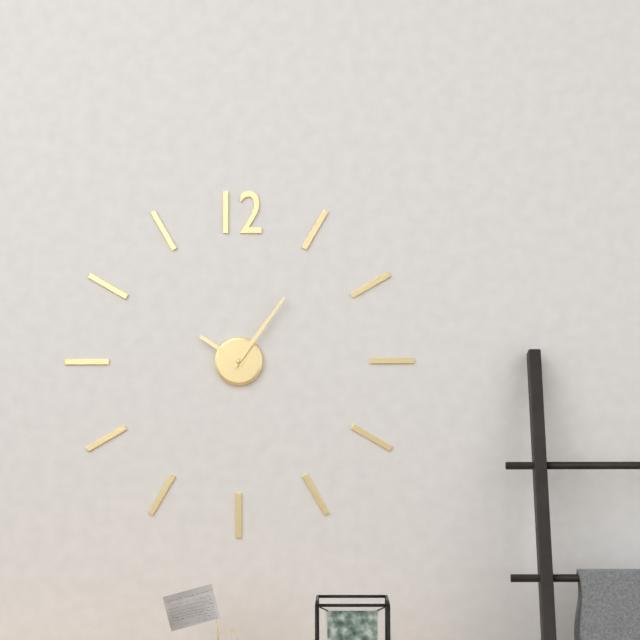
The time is **10:06**
